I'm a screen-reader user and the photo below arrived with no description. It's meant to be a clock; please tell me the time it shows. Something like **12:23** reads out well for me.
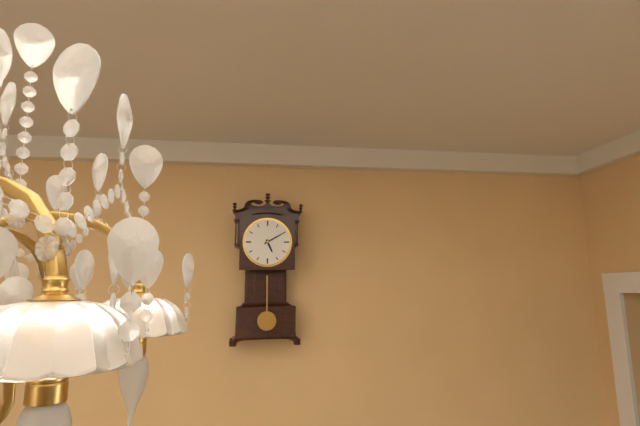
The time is **5:10**
